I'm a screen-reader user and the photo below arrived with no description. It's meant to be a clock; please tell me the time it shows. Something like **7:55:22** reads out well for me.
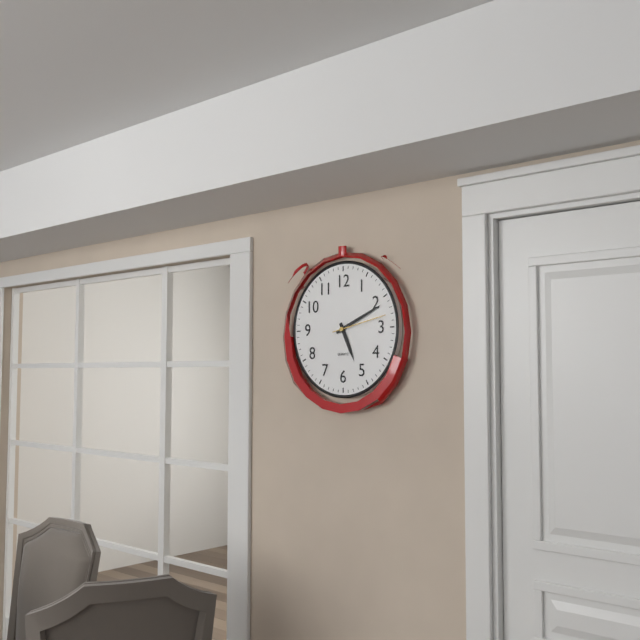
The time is **5:11:13**
